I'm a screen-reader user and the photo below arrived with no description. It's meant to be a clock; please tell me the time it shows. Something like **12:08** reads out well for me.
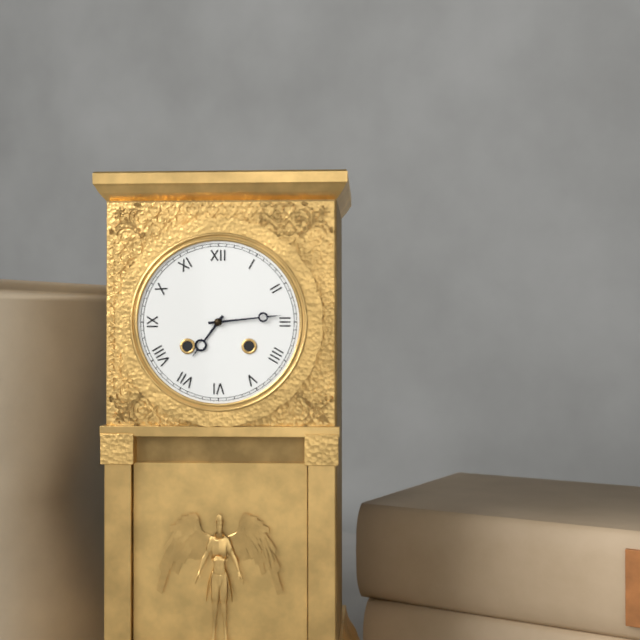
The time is **7:14**
